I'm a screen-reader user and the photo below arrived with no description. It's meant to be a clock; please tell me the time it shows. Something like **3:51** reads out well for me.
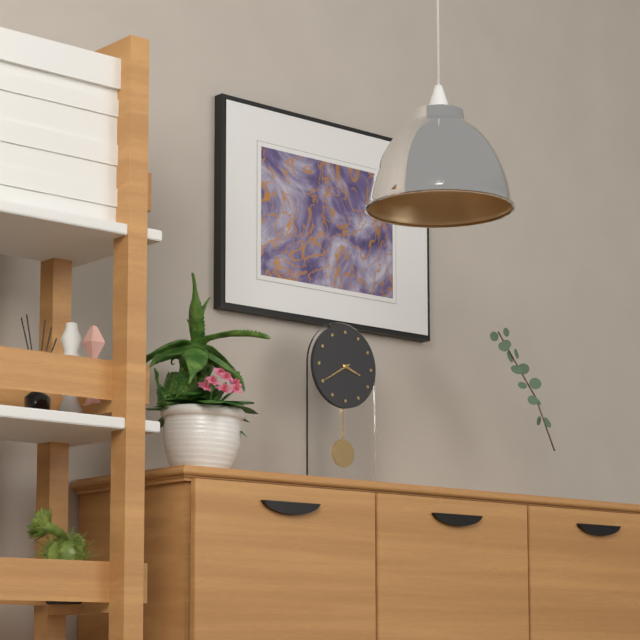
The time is **3:40**
